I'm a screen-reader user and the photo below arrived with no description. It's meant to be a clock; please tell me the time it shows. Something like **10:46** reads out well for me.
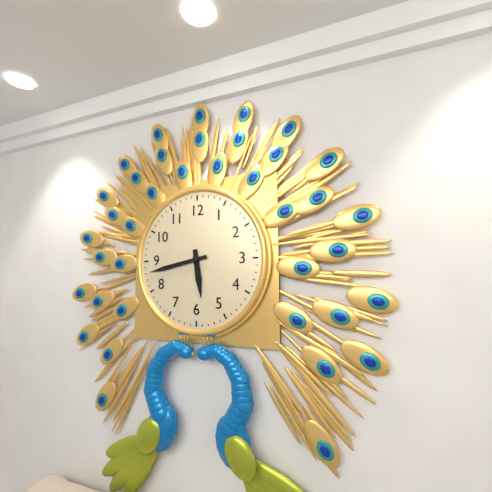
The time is **5:43**
